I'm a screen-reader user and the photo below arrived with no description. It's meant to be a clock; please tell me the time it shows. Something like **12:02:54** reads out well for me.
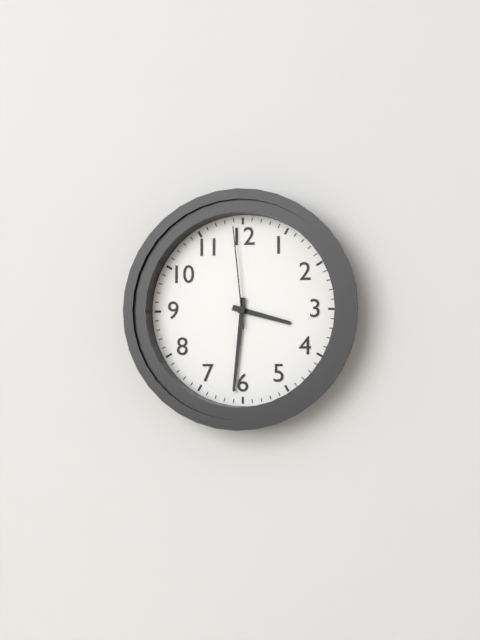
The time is **3:31:59**
